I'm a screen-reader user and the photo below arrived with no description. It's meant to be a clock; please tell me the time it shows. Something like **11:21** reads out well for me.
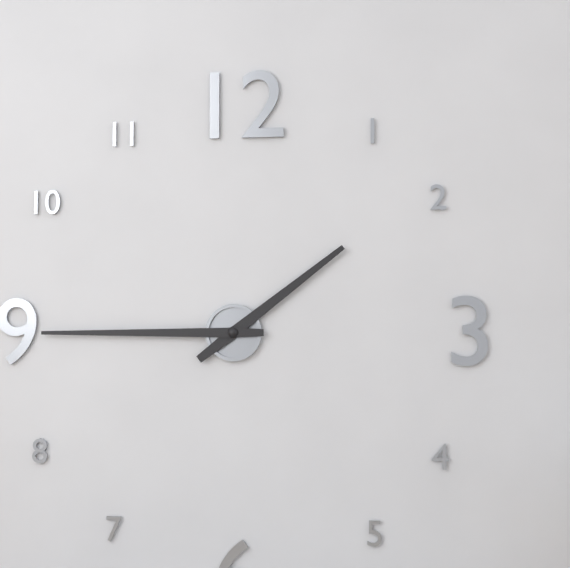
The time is **1:45**
